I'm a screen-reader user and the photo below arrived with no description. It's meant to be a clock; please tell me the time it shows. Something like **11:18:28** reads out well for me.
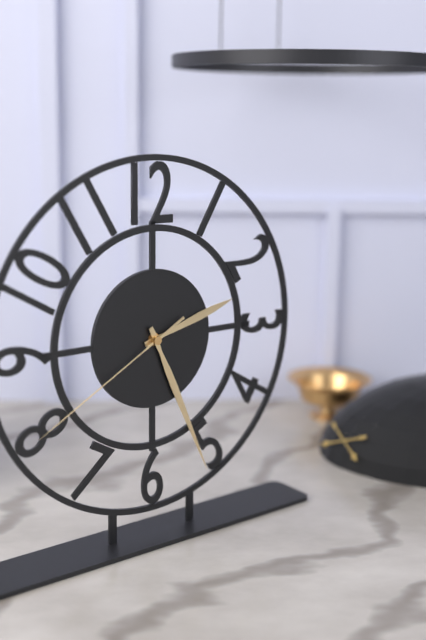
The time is **2:26:40**
